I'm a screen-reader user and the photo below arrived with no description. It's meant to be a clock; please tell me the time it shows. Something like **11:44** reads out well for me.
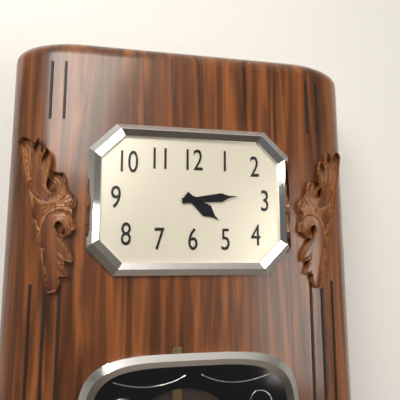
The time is **4:14**
